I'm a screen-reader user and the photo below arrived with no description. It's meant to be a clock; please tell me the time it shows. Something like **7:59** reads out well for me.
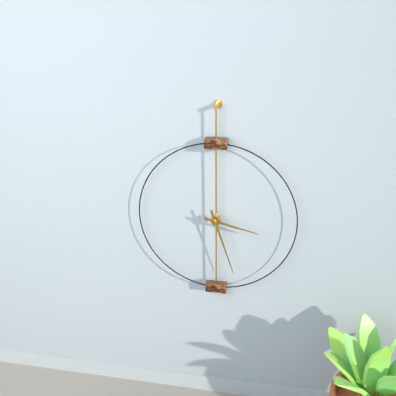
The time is **3:27**
